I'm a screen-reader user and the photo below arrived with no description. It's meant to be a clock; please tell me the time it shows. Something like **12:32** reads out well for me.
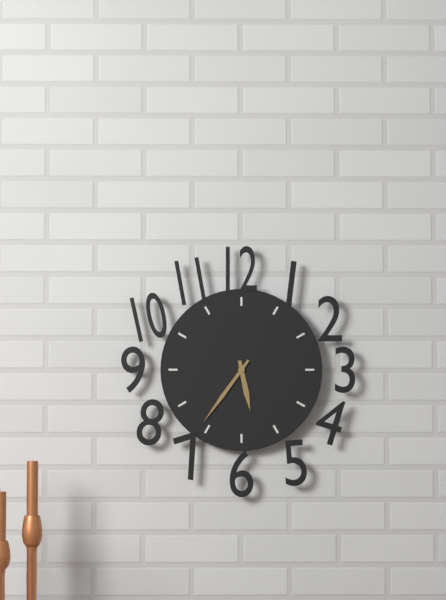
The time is **5:36**
